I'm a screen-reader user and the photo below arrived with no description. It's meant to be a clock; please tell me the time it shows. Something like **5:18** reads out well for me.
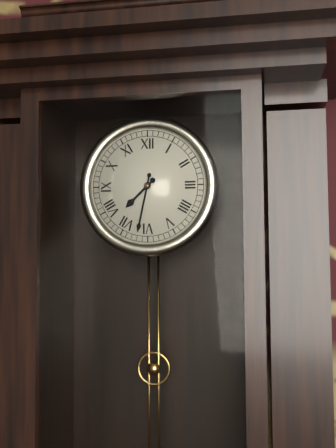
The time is **7:32**
